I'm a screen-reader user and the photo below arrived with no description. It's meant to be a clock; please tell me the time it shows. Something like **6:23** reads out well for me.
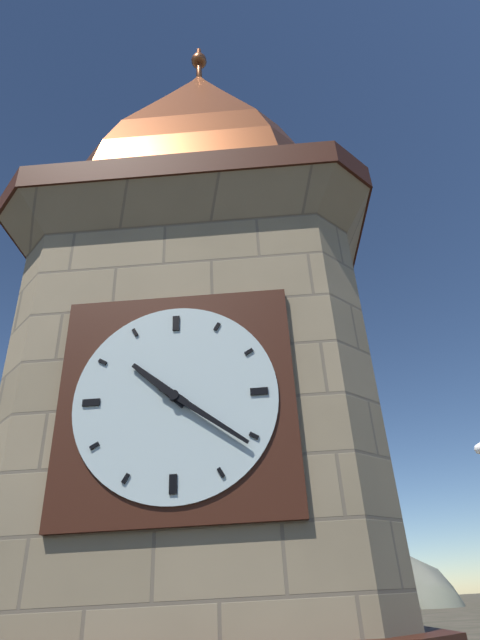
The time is **10:21**
